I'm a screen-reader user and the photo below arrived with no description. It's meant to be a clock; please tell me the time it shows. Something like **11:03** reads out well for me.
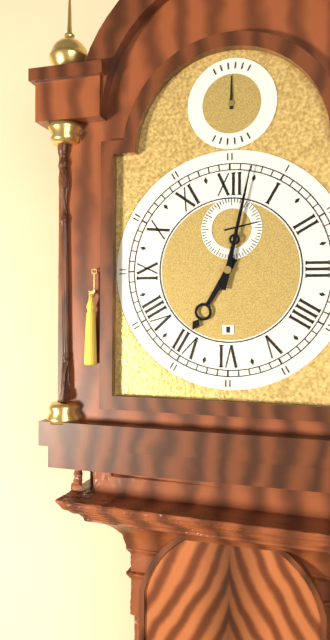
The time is **7:02**
